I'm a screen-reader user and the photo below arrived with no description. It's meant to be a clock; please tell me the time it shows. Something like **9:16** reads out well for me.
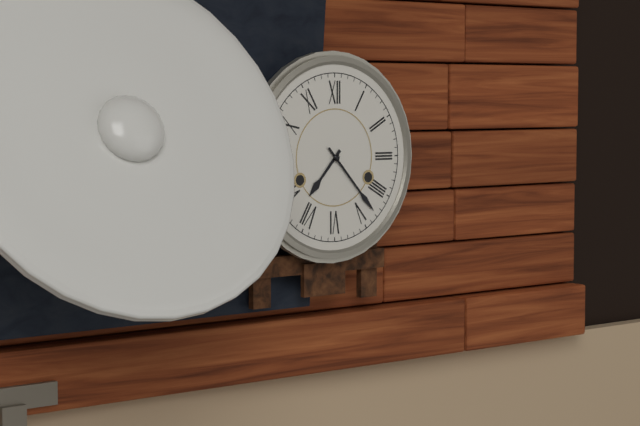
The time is **7:23**
